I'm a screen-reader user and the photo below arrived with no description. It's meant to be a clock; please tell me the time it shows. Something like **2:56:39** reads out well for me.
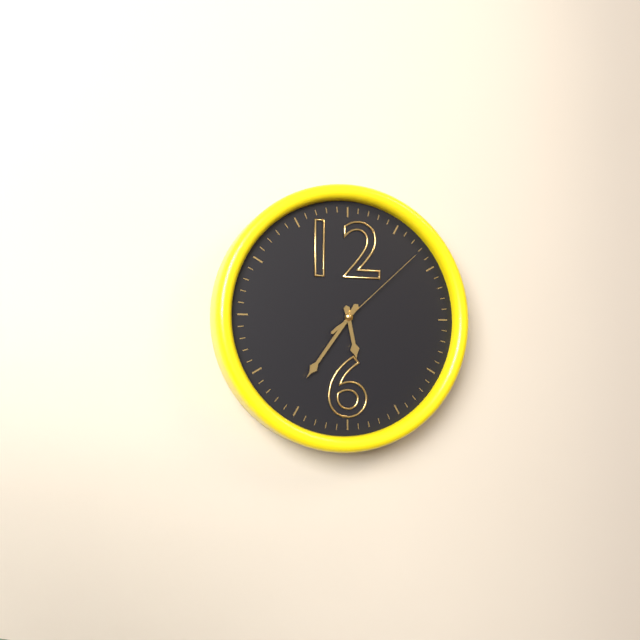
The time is **5:36:08**
